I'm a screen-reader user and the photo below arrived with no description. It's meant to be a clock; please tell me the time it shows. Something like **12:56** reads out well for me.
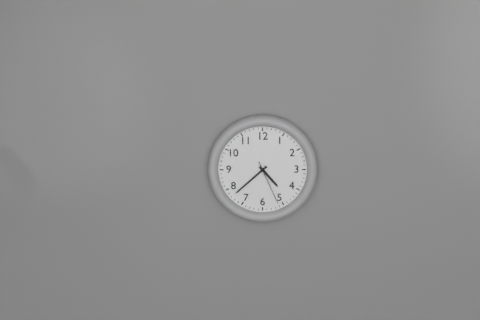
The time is **4:38**
